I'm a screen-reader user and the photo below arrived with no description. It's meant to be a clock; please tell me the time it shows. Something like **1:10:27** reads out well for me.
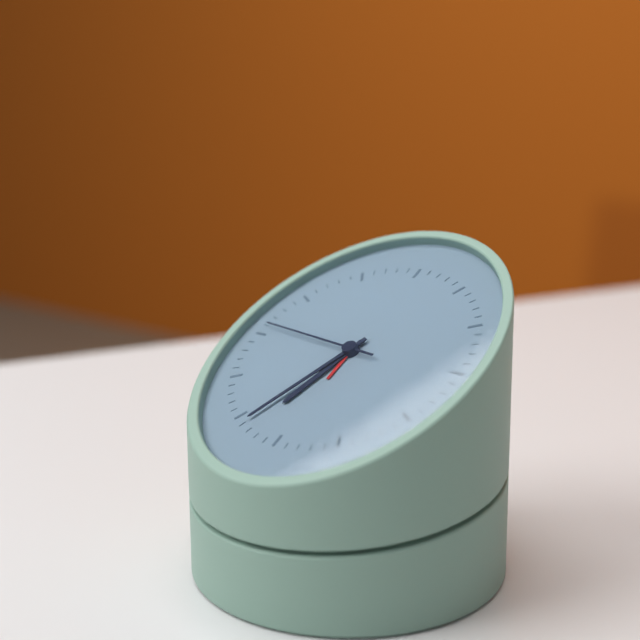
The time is **6:34:46**
